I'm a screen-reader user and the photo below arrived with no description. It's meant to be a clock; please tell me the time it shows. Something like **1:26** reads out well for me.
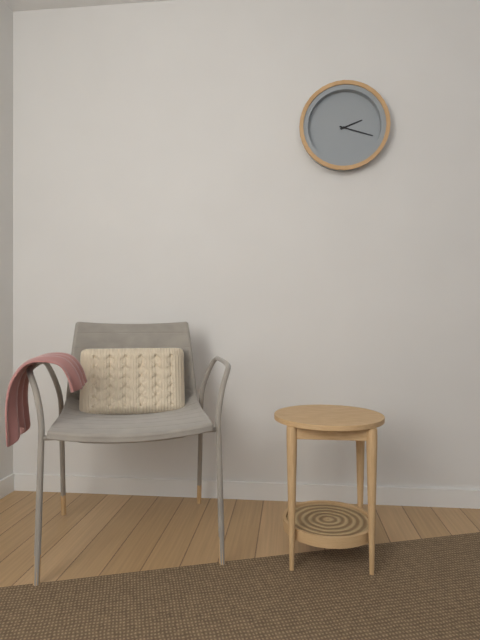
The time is **2:18**
